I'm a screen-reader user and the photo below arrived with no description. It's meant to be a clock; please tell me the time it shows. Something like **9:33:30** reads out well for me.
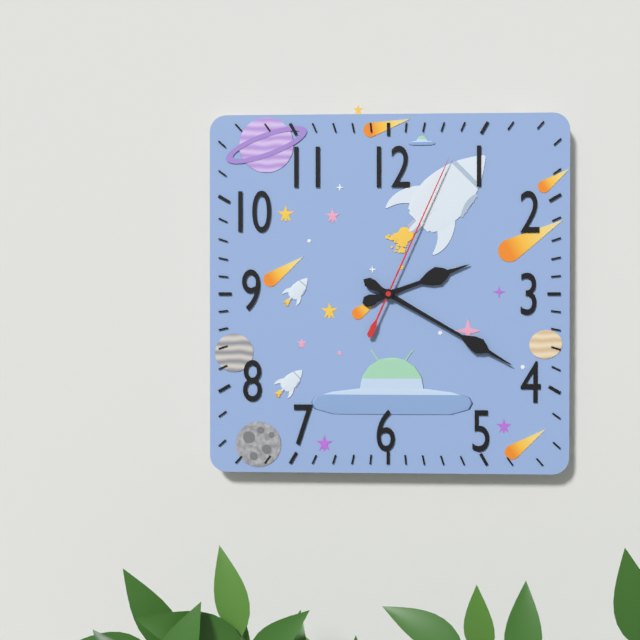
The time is **2:20:04**
